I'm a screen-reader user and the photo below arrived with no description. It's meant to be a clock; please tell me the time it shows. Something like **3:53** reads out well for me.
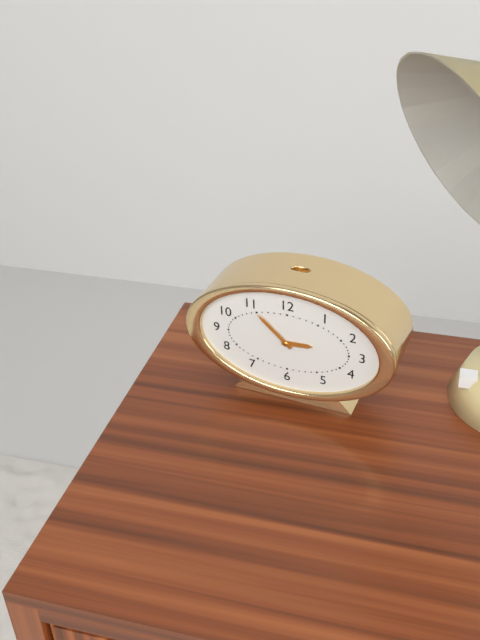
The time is **2:52**
